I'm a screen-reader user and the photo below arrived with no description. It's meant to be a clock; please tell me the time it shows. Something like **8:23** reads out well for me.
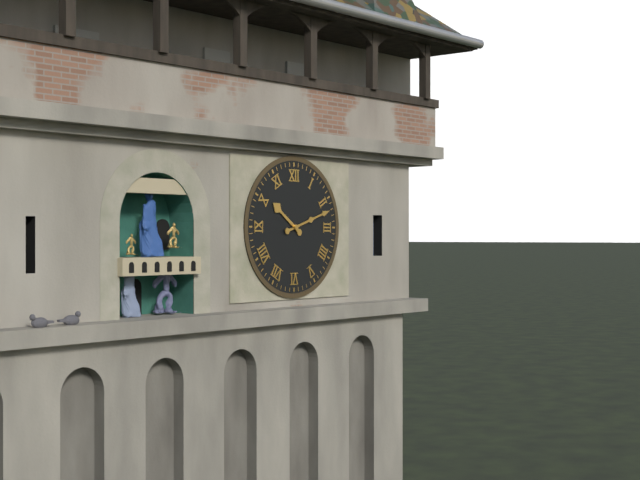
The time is **10:12**
